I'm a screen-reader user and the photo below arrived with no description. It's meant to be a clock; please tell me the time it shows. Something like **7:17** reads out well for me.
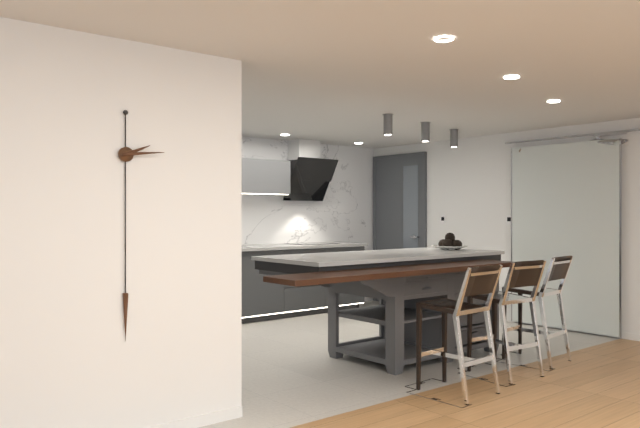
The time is **2:14**
